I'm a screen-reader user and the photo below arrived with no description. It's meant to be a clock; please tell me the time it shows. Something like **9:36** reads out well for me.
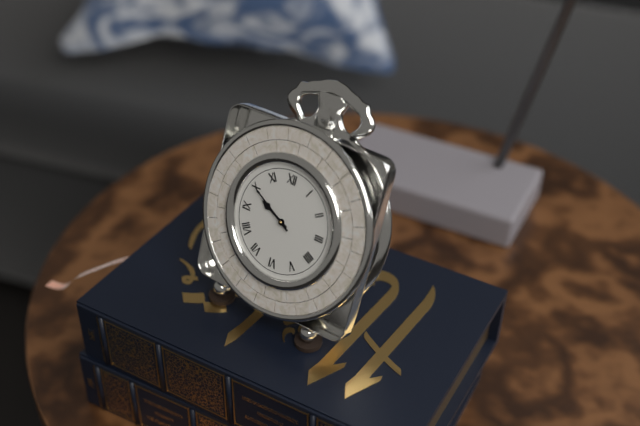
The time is **9:50**
